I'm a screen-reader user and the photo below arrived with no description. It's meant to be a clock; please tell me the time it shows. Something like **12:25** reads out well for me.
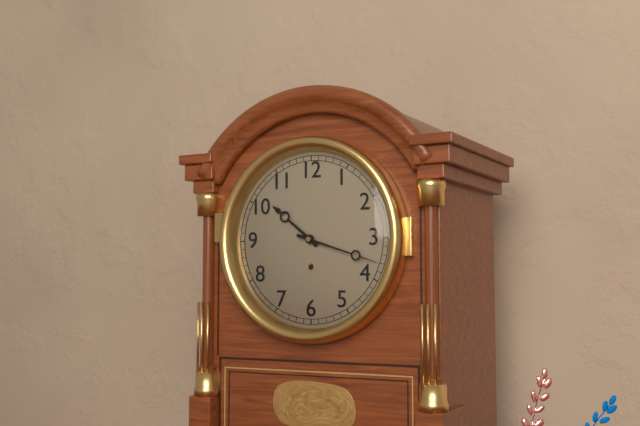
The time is **10:18**
